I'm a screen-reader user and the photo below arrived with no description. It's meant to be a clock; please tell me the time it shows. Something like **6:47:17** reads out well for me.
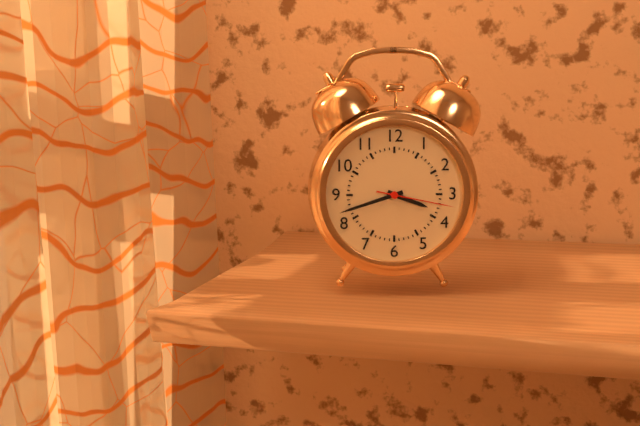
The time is **3:42:17**
